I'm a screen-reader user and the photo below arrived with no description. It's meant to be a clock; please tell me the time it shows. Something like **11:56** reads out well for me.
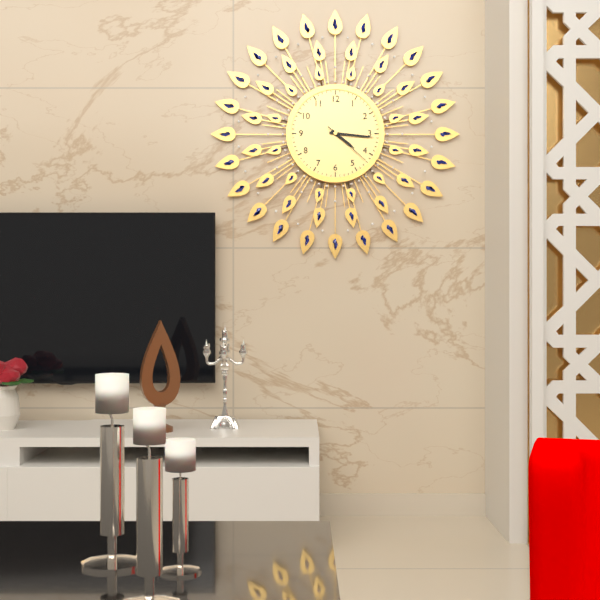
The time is **4:16**
